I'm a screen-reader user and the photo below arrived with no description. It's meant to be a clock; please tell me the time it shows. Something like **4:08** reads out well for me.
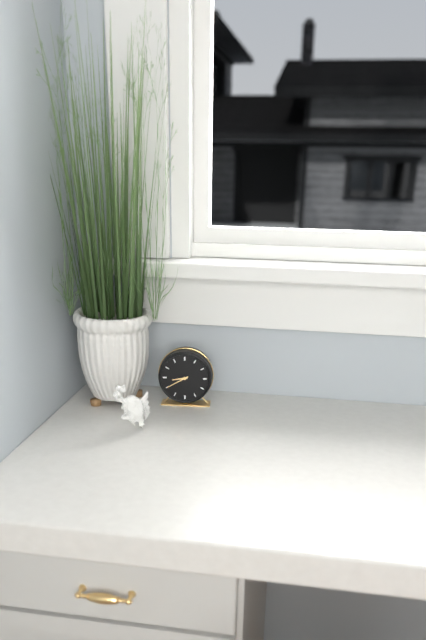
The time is **8:40**
